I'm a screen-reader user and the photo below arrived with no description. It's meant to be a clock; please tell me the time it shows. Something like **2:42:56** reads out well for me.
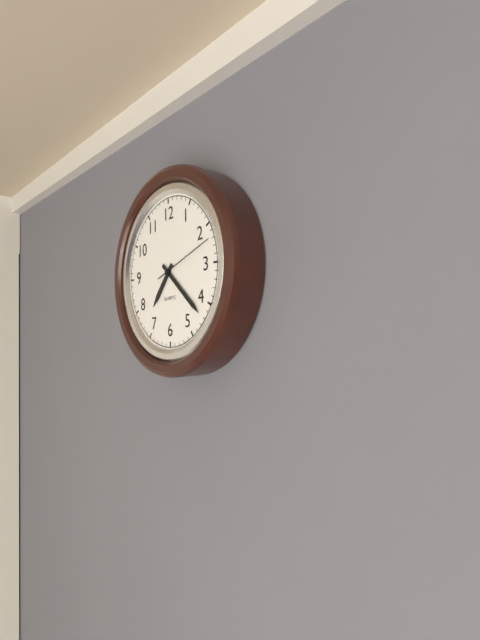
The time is **7:22:12**
